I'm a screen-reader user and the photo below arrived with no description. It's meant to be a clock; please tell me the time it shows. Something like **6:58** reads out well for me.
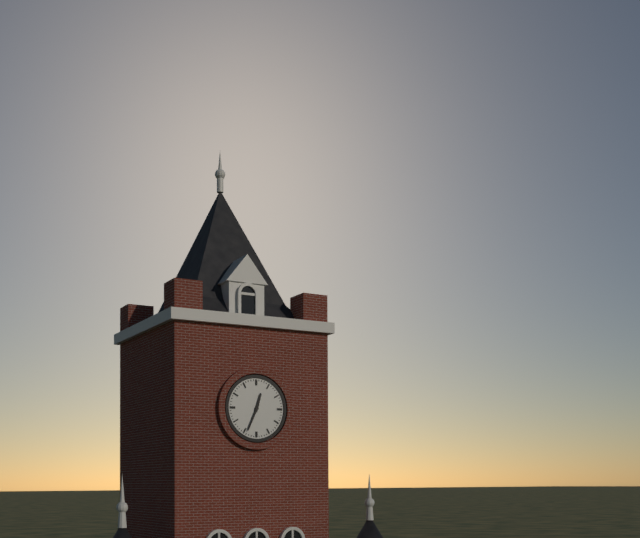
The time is **12:34**
